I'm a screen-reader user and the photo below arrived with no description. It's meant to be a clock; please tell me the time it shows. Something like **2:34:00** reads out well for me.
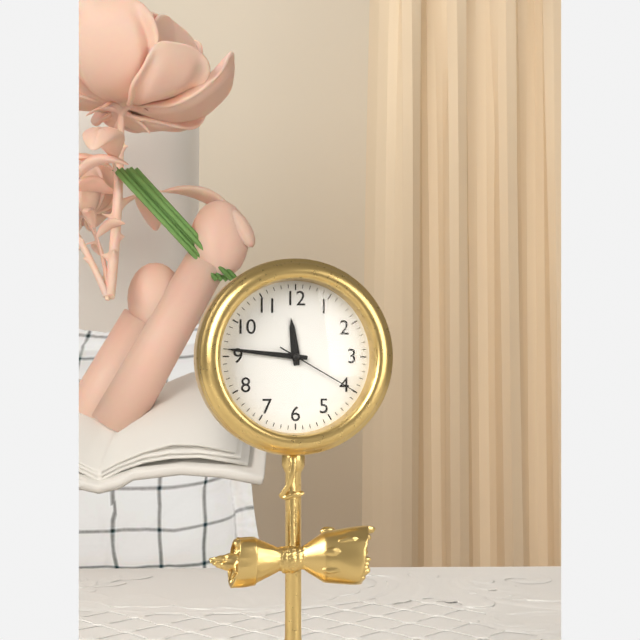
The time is **11:46:20**
